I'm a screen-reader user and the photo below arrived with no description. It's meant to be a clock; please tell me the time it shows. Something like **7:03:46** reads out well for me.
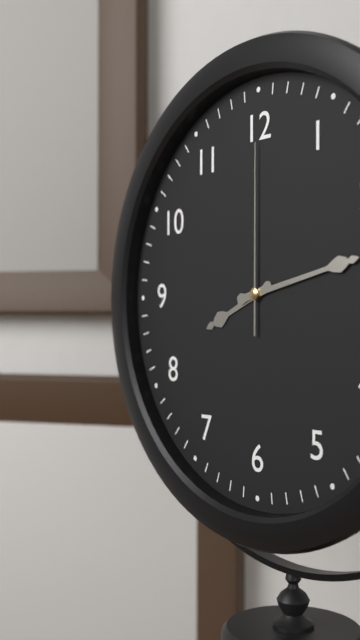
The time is **8:13:00**
